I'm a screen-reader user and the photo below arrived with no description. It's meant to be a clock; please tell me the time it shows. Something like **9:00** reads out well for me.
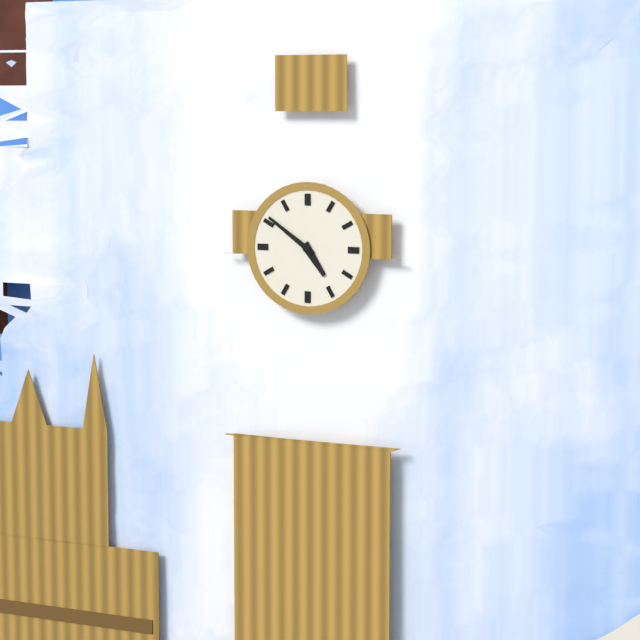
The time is **4:51**
